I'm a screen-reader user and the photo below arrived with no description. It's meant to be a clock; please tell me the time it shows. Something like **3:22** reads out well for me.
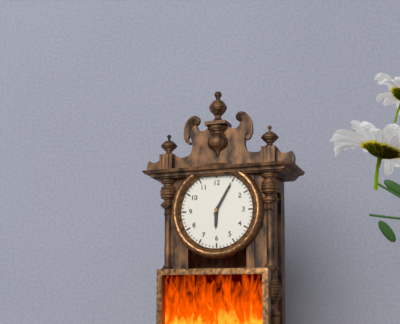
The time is **6:05**
